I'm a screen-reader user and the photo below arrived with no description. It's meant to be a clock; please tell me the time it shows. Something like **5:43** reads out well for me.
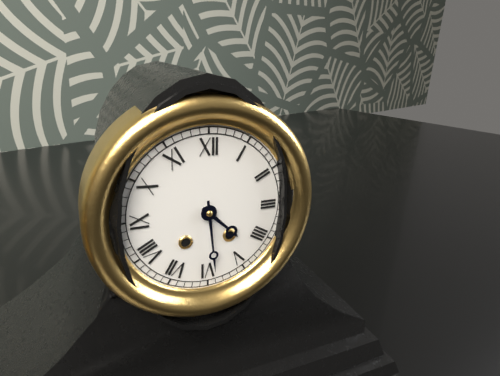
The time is **4:29**
